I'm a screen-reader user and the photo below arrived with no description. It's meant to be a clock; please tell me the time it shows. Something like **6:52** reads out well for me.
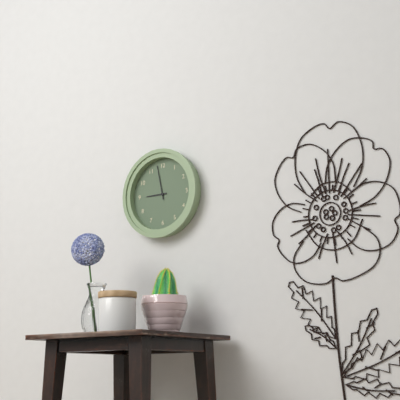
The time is **8:58**
